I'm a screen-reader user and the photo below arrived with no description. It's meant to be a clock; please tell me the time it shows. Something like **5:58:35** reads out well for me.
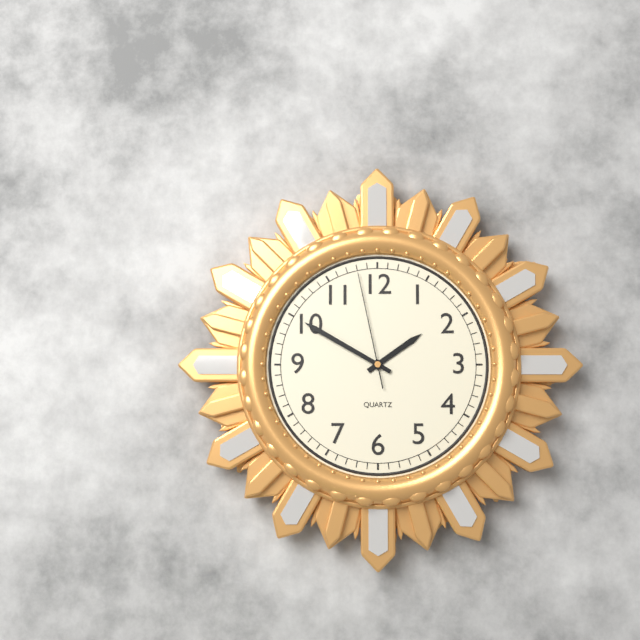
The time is **1:50:58**
